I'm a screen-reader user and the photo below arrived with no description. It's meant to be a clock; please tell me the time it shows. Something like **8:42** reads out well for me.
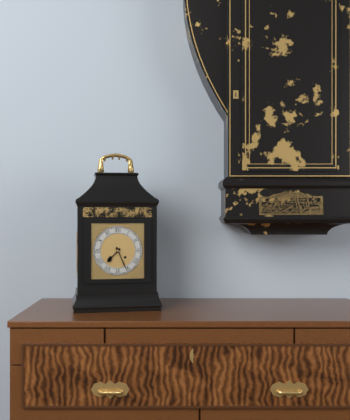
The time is **7:26**
